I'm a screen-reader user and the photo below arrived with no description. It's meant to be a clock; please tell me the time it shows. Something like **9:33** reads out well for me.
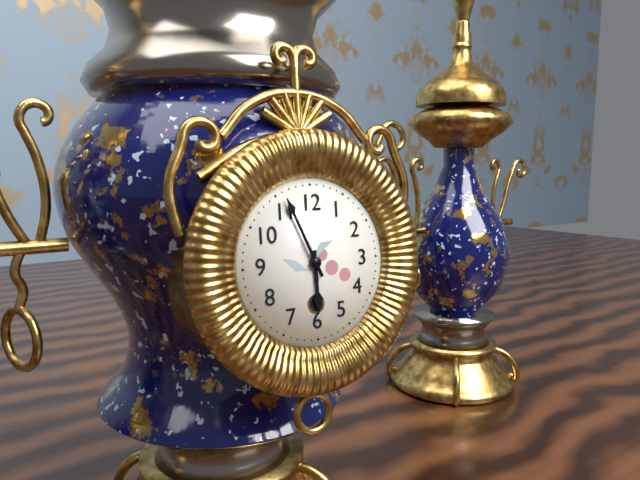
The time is **5:56**
